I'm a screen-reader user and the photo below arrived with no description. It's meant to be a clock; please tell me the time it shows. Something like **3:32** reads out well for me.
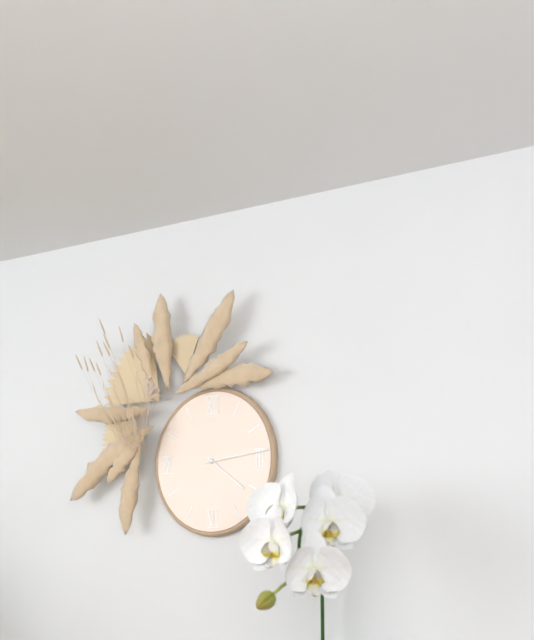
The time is **4:14**
